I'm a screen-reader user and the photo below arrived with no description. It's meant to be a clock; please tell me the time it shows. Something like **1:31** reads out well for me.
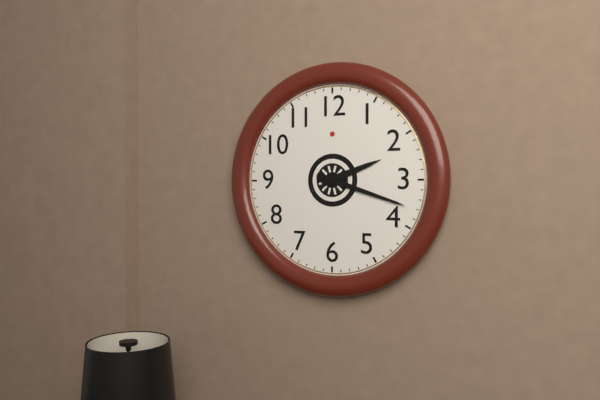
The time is **2:18**
